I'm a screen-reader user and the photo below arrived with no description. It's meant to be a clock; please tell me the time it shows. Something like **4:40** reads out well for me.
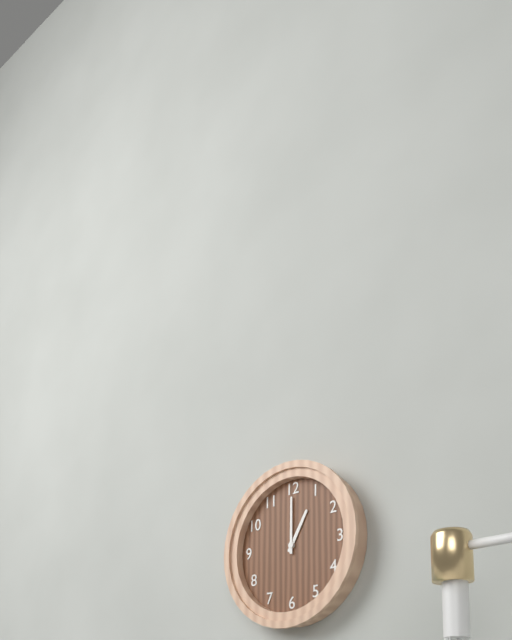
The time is **1:00**
